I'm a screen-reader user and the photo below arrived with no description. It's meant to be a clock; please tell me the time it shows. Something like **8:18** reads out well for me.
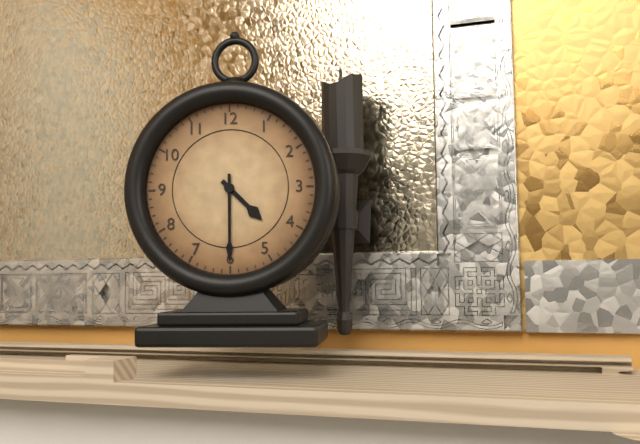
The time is **4:30**
